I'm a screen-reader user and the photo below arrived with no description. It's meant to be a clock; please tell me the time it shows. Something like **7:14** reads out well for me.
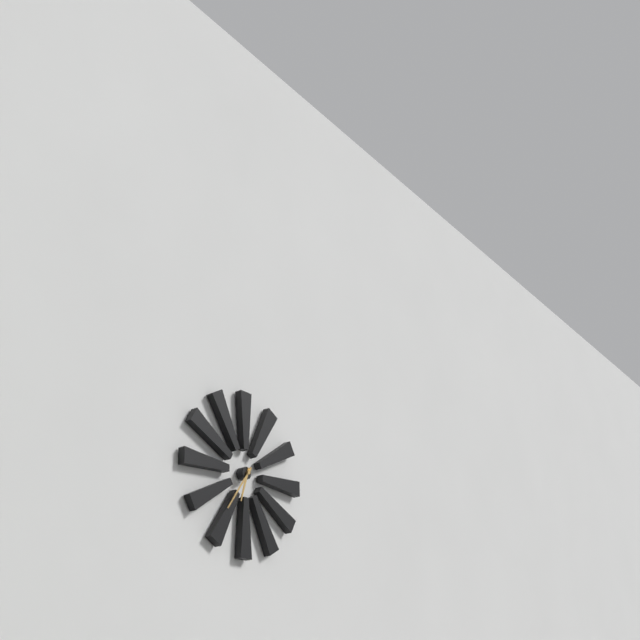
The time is **6:36**
